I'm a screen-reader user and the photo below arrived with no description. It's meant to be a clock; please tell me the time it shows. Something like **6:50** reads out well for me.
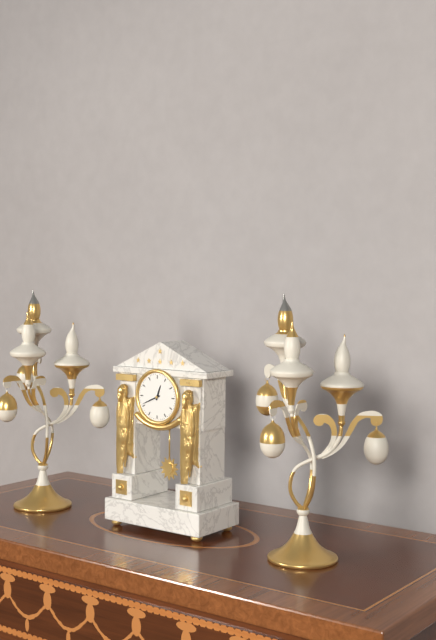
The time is **12:41**
